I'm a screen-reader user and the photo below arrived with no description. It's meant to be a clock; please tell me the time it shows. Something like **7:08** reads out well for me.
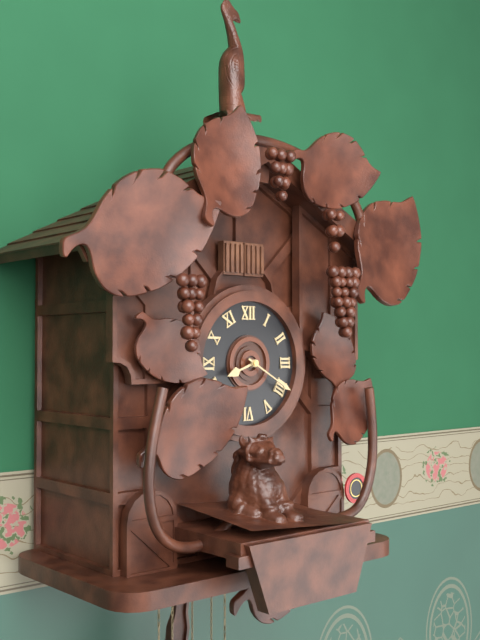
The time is **8:20**
